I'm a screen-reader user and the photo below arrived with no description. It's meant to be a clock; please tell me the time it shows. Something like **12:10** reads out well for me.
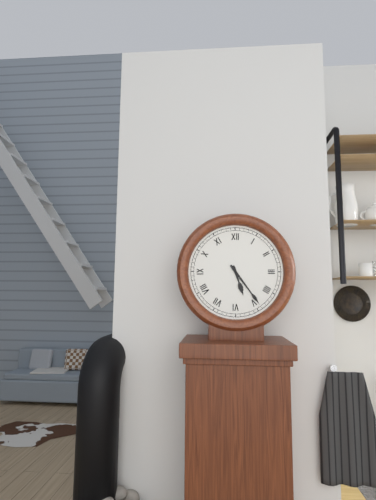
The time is **5:24**
